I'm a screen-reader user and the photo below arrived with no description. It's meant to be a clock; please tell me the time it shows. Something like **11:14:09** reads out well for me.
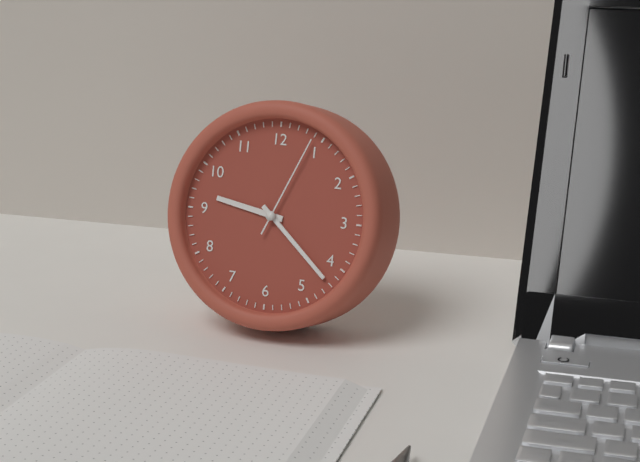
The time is **9:22:04**
